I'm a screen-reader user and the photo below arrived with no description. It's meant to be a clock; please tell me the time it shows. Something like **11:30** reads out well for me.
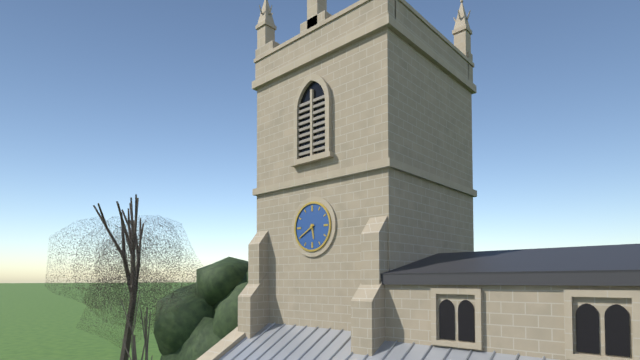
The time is **5:40**
